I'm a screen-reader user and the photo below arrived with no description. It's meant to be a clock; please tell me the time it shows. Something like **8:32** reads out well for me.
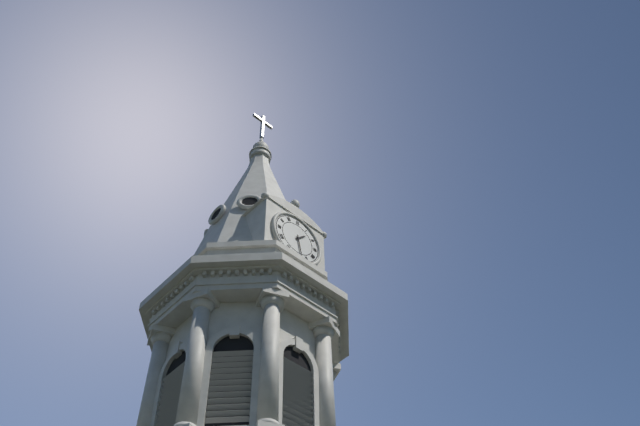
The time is **1:28**
